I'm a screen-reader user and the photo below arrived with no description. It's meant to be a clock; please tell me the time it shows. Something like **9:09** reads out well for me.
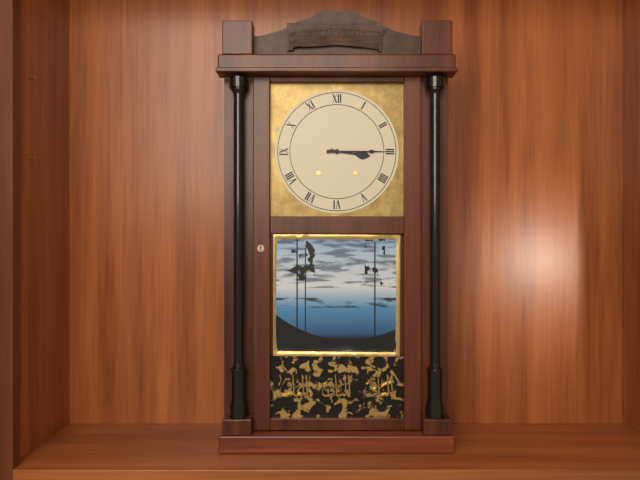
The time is **3:15**
